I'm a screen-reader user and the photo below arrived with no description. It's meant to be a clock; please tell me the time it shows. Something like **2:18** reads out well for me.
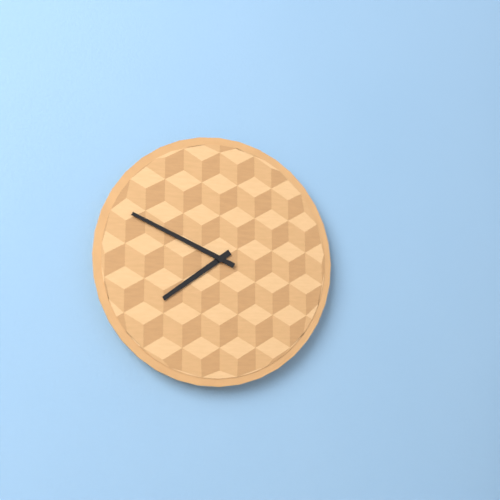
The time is **7:49**
